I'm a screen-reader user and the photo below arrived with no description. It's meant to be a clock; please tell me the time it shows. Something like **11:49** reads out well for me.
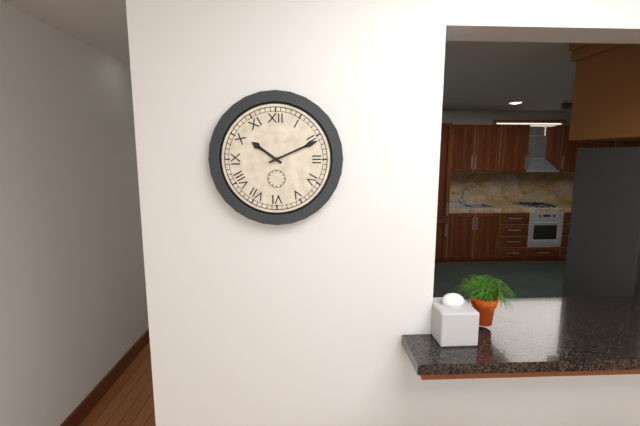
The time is **10:11**
